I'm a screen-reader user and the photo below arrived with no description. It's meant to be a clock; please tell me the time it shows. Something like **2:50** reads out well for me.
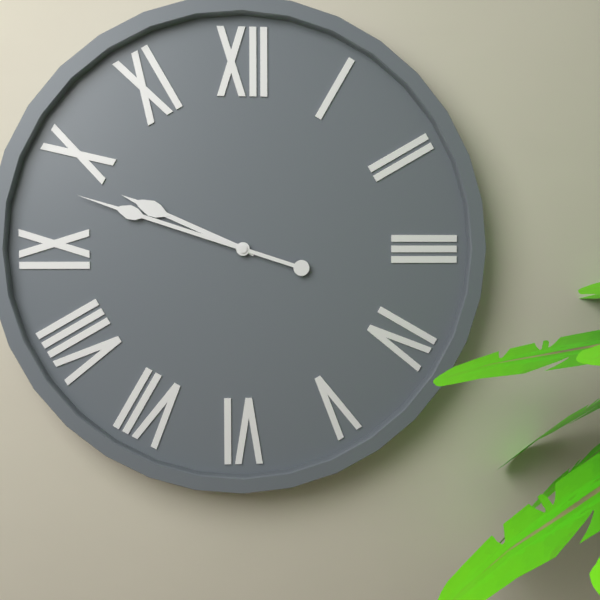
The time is **9:48**
